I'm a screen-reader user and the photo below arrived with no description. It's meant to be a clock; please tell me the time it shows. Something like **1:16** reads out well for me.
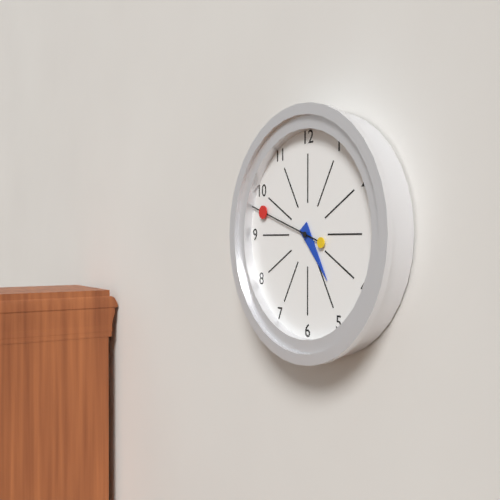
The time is **4:48**
